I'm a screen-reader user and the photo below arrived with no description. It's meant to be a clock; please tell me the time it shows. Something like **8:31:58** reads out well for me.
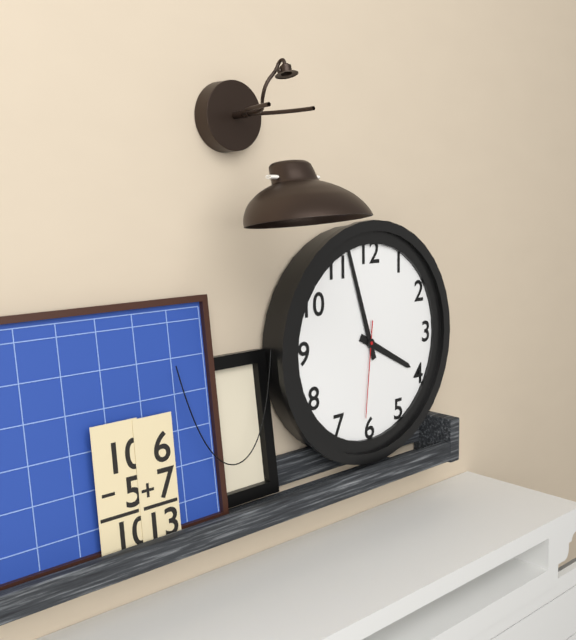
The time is **3:57:31**
